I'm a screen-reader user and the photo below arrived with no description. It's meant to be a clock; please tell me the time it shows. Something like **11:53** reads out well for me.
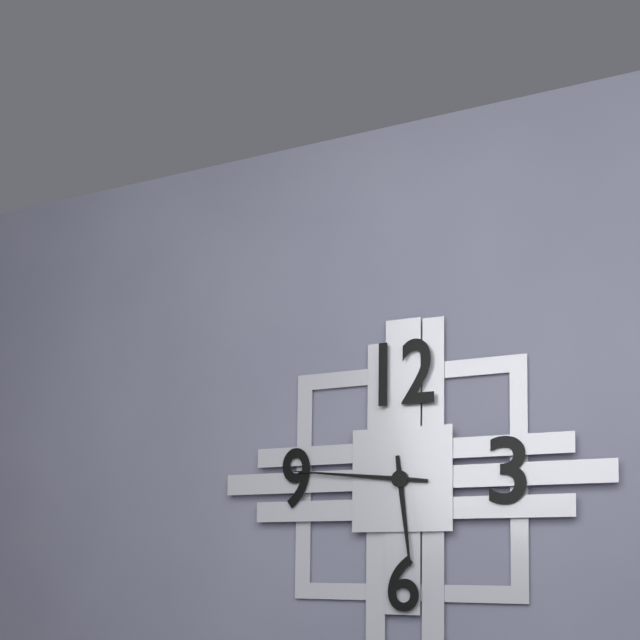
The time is **5:46**
